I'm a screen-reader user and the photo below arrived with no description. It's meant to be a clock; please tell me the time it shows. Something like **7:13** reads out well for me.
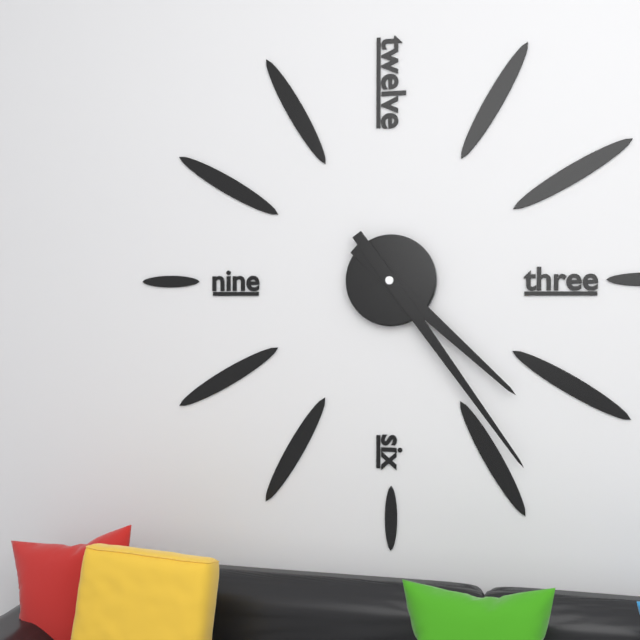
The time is **4:24**
